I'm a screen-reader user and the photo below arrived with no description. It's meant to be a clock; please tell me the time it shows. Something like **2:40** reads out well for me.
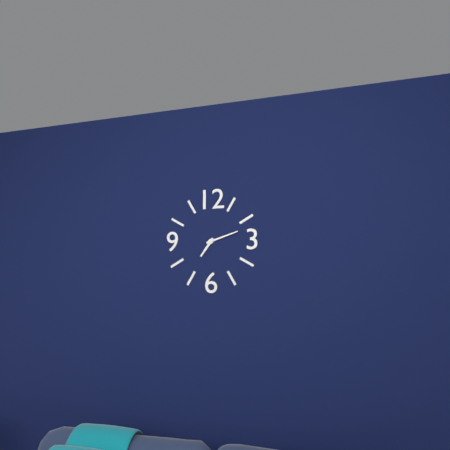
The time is **7:12**
